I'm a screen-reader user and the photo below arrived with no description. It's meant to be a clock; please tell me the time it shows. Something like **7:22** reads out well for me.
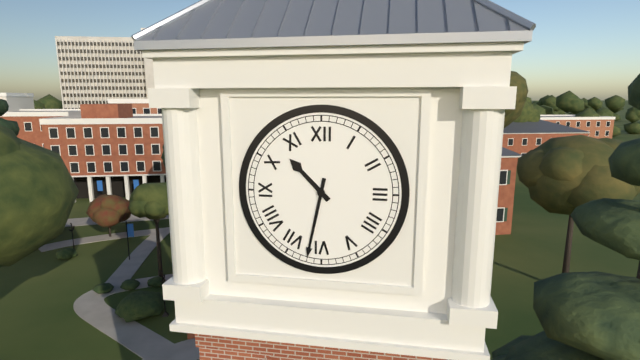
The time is **10:32**
